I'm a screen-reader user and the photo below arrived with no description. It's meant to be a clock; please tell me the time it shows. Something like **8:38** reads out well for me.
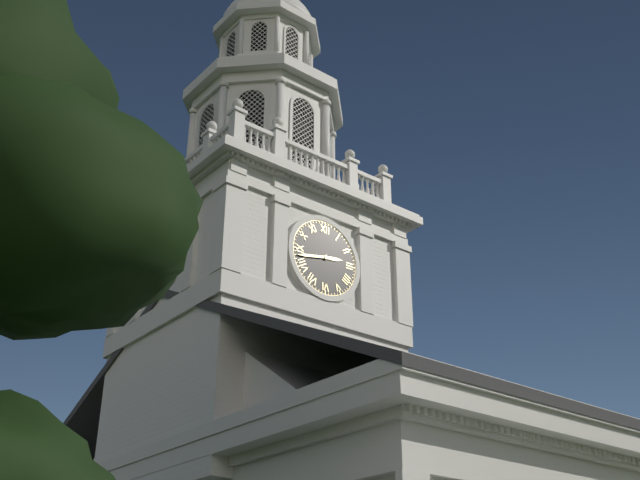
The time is **2:43**
